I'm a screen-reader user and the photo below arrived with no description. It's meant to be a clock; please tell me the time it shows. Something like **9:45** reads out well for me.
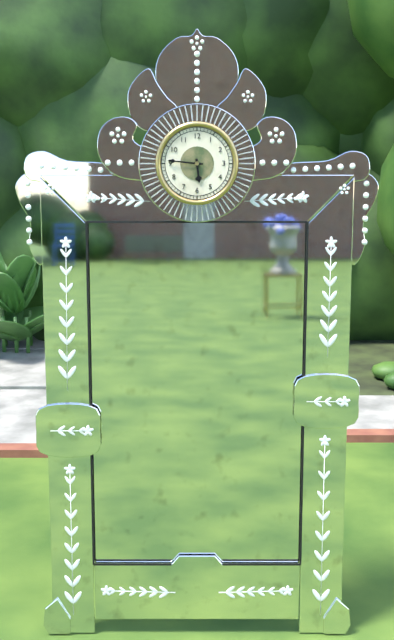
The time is **5:46**
